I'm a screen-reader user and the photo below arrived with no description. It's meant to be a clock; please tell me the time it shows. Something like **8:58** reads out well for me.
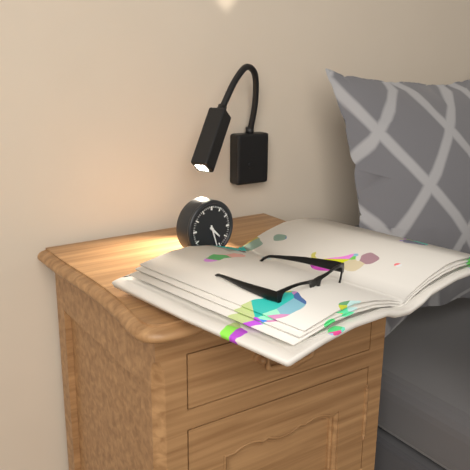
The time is **4:27**
